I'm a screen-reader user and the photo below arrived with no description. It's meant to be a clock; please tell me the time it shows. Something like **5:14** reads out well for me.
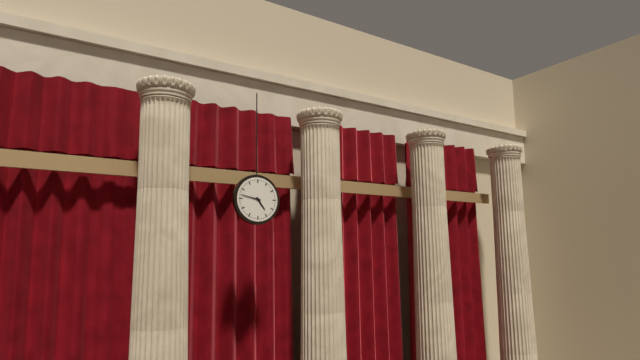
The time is **4:47**
